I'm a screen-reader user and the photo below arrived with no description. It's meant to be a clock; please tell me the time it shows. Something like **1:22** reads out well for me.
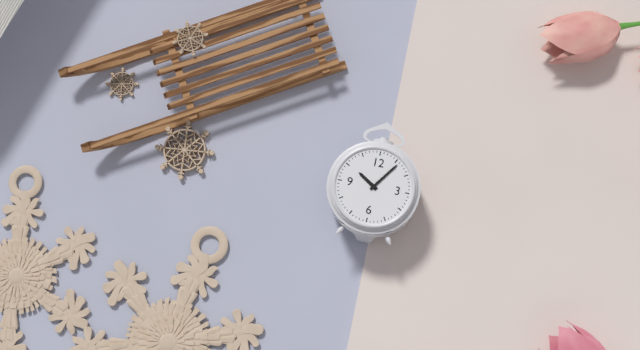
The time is **10:06**
